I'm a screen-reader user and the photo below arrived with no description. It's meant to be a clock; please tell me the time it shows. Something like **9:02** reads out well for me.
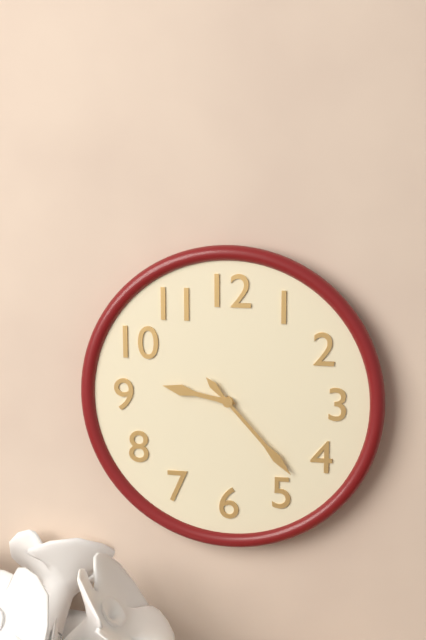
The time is **9:23**
